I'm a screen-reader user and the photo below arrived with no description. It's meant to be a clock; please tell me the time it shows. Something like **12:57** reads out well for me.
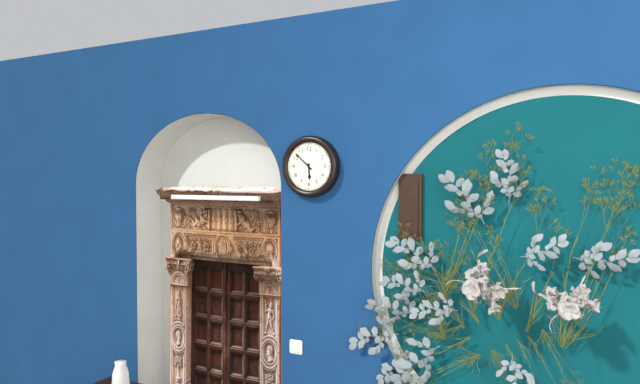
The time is **5:52**
